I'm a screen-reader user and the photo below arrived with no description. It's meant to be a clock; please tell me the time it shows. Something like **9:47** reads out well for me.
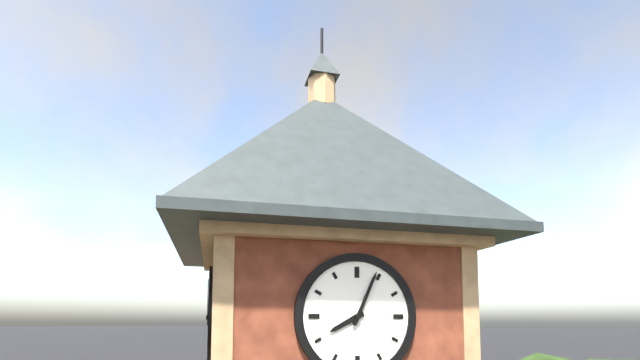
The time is **8:04**
